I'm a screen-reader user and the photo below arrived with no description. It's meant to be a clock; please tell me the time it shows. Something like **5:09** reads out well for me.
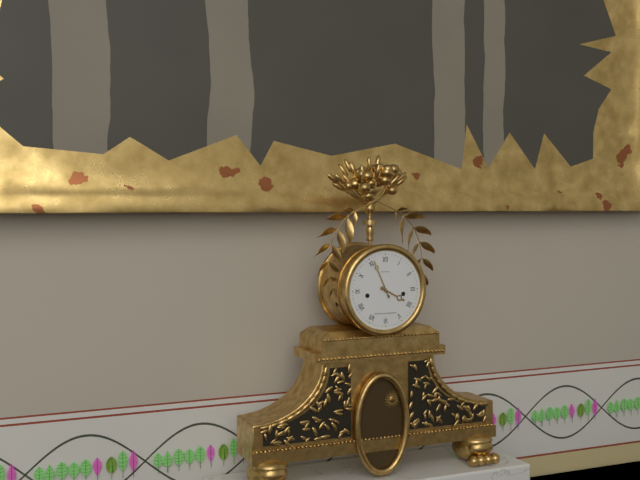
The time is **3:56**
